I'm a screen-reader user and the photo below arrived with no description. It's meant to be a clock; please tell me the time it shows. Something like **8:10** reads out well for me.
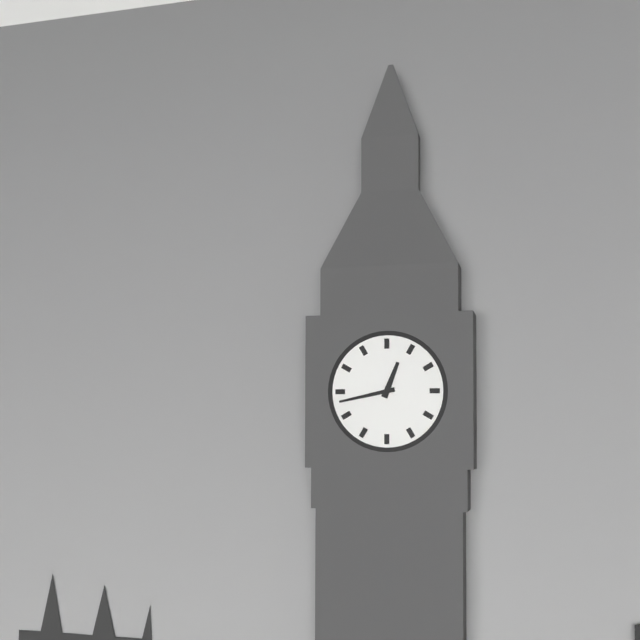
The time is **12:43**
